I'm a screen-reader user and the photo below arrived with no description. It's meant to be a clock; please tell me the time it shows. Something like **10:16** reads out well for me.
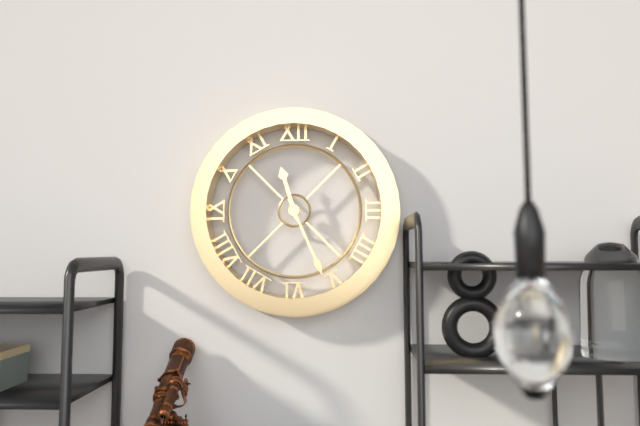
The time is **11:26**
